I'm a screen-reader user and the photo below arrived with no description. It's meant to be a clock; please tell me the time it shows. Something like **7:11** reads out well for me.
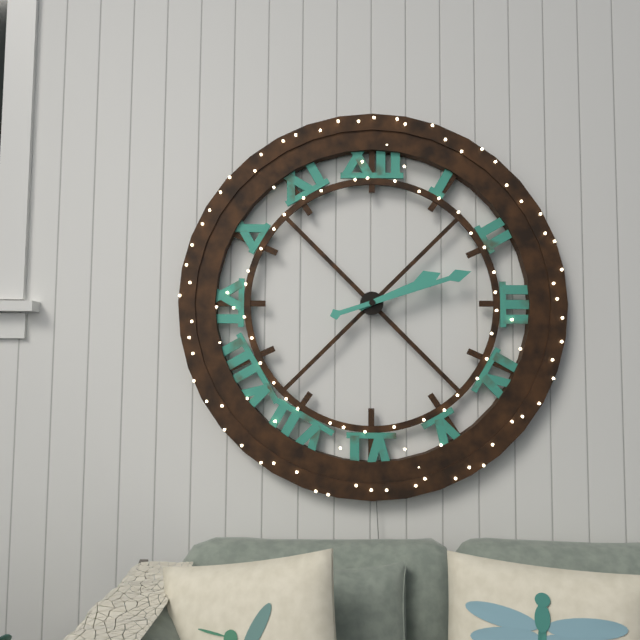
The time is **2:12**
